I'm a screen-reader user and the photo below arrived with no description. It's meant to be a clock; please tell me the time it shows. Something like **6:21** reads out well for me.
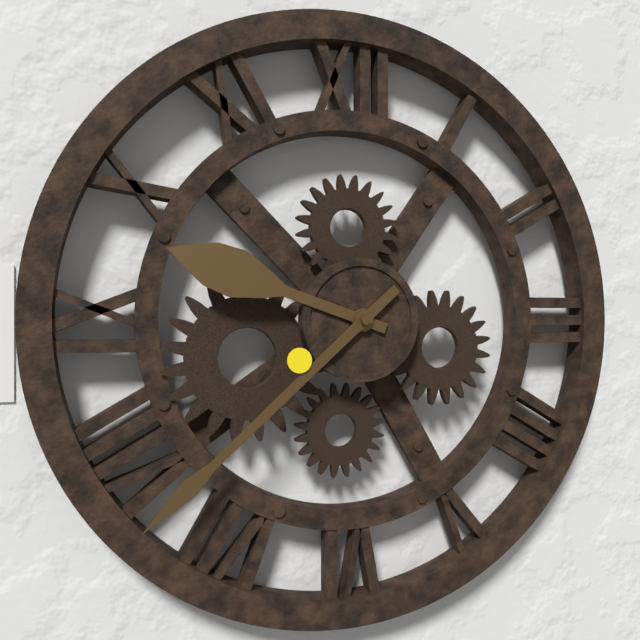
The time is **9:38**
